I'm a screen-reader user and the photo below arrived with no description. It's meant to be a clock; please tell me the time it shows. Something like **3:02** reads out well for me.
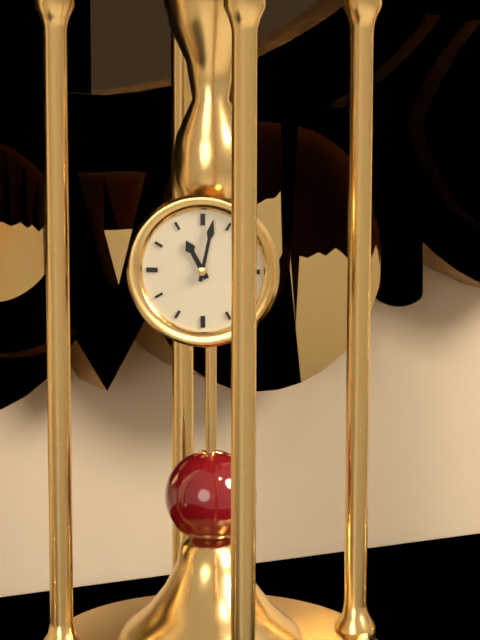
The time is **11:02**
